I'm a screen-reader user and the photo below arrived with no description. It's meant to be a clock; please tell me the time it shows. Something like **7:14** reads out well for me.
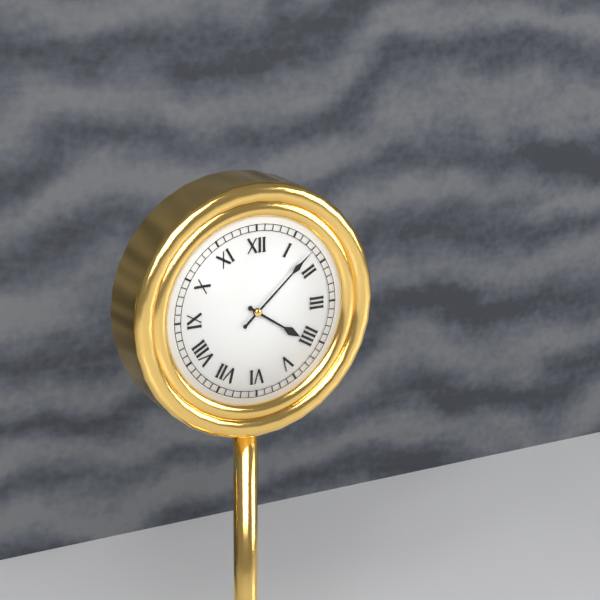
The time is **4:08**
